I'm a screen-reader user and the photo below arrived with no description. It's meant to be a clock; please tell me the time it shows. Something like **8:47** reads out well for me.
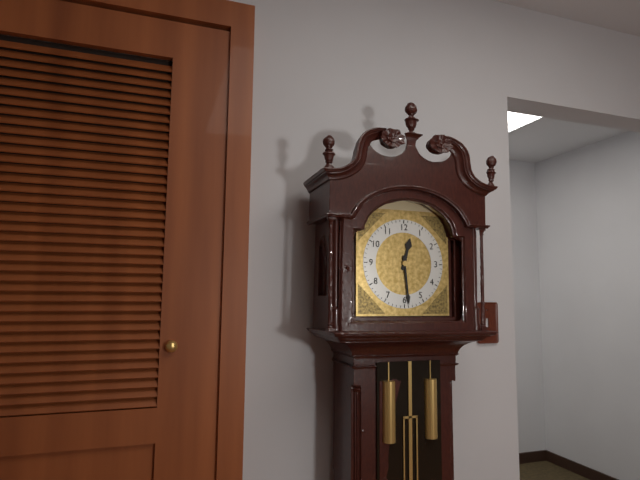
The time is **12:29**
